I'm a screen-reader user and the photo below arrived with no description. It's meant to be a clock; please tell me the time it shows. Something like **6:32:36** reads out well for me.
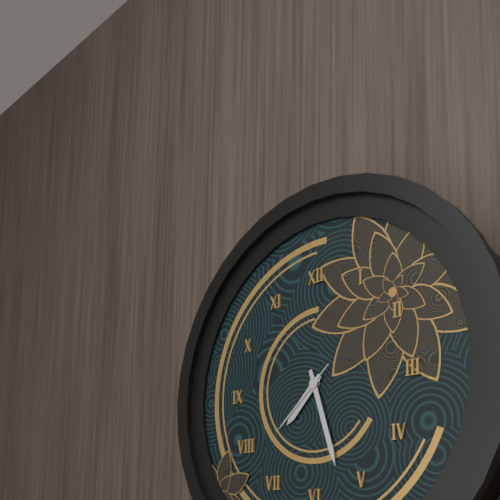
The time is **7:27:38**
